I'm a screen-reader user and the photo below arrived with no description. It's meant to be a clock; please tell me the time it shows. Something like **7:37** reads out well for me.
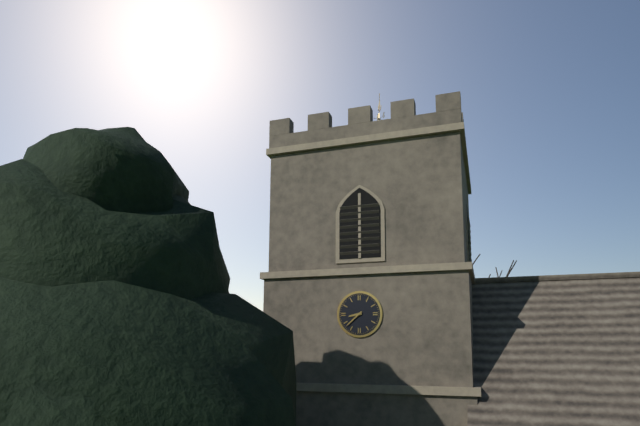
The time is **8:38**
